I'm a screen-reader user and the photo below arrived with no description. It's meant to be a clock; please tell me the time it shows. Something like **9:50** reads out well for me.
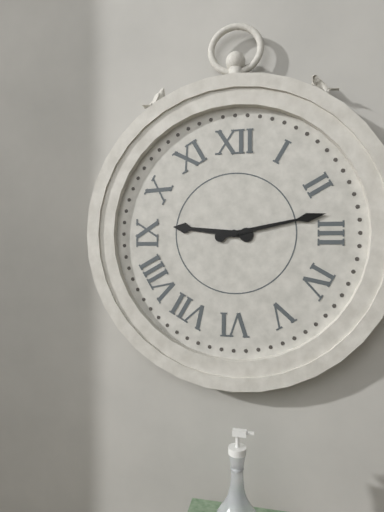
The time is **9:13**
